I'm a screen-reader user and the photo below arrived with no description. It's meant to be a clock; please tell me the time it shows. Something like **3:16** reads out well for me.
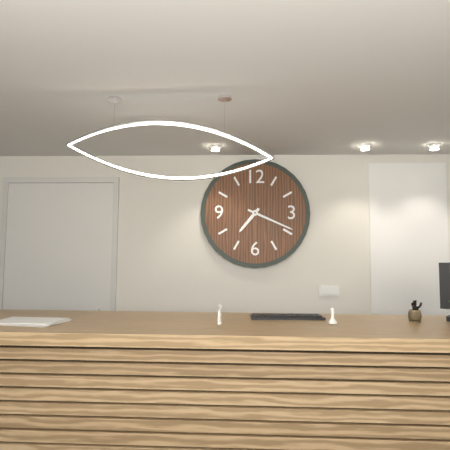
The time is **7:19**
